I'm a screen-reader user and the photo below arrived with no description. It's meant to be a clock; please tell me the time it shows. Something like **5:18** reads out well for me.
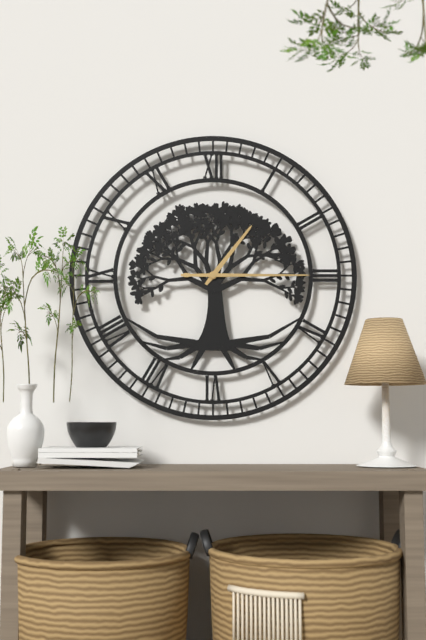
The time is **1:15**
